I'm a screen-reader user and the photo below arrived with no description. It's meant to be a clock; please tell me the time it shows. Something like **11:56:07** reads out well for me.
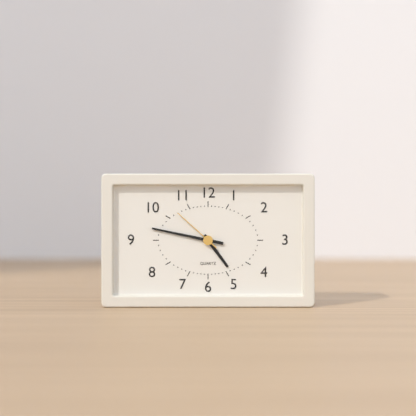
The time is **4:47:52**
